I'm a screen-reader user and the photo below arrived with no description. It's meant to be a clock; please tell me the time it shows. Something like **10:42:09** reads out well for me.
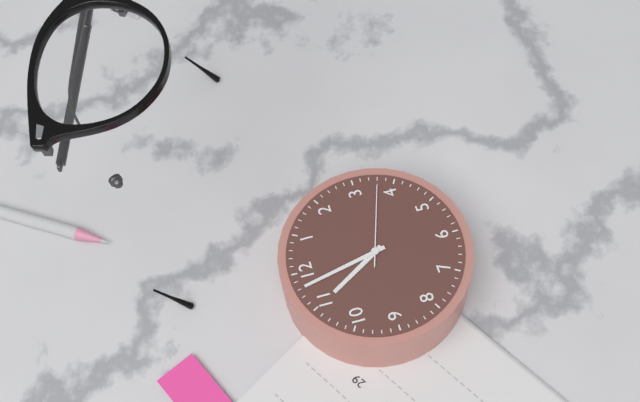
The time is **10:58:18**
